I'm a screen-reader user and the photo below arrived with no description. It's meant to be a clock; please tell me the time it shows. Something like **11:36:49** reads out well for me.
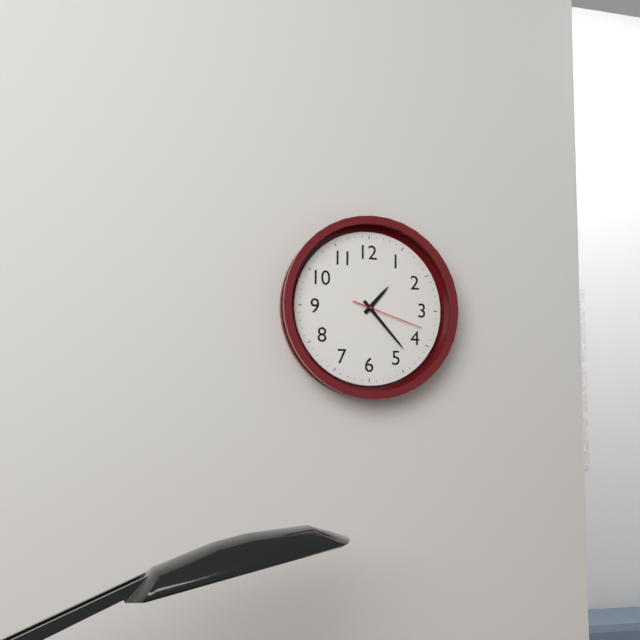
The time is **1:23:18**
